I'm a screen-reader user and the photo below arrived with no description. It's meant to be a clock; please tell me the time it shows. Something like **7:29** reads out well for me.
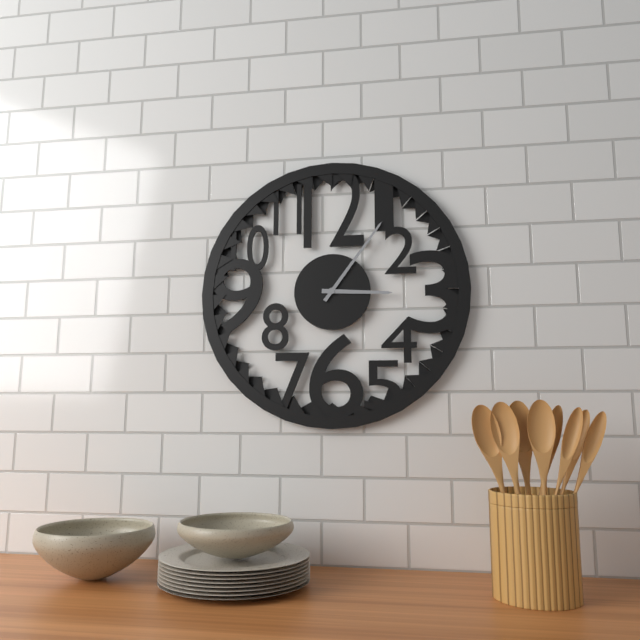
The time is **3:06**
